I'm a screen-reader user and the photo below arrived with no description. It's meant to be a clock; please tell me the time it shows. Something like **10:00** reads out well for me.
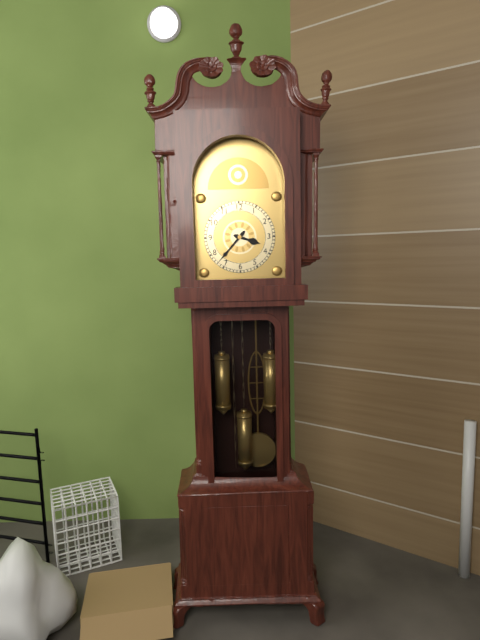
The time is **3:37**
